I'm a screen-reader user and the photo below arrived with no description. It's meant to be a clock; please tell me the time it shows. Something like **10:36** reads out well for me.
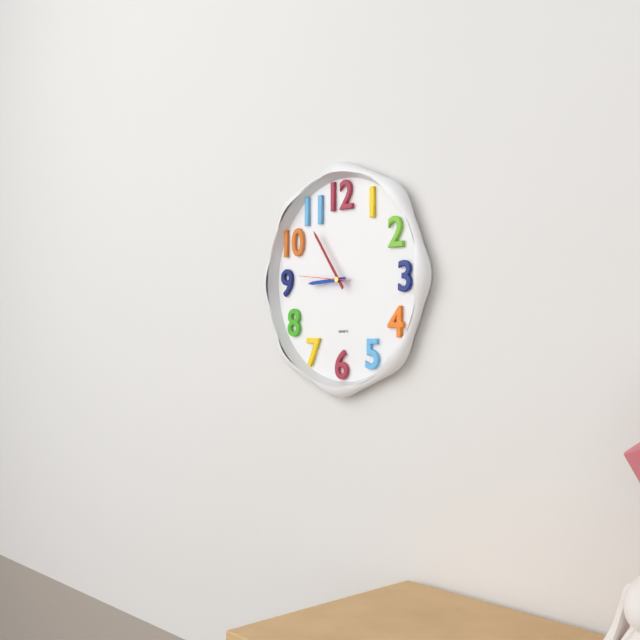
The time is **8:54**
